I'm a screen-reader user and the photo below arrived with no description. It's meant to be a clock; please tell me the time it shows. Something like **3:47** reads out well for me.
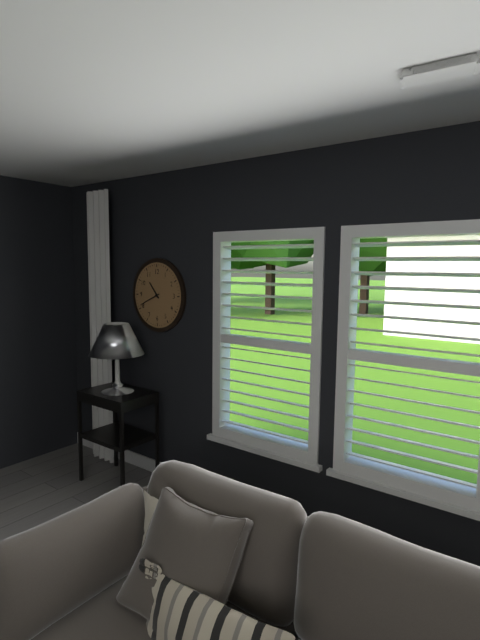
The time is **10:41**
